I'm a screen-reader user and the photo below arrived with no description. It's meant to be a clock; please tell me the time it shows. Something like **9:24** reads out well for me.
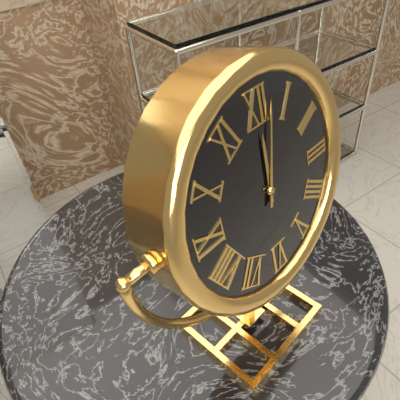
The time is **12:02**
